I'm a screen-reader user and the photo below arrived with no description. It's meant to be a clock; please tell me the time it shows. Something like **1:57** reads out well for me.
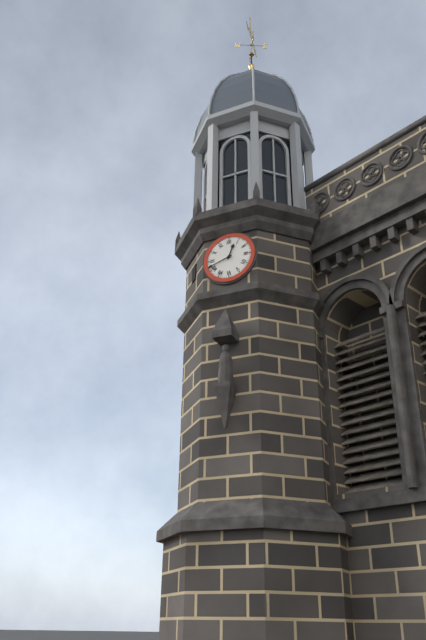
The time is **12:42**
